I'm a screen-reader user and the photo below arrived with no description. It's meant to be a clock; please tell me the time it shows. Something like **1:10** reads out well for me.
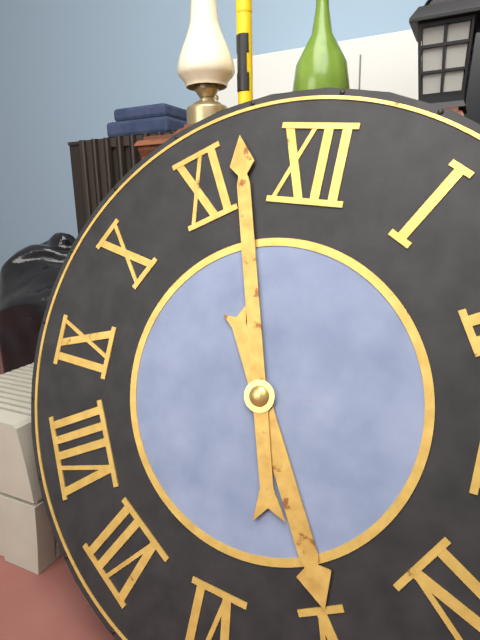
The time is **4:57**
